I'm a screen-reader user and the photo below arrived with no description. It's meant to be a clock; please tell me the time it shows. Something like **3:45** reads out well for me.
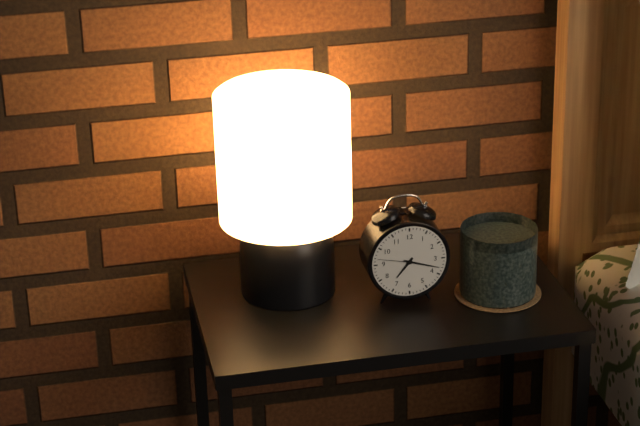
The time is **7:18**
